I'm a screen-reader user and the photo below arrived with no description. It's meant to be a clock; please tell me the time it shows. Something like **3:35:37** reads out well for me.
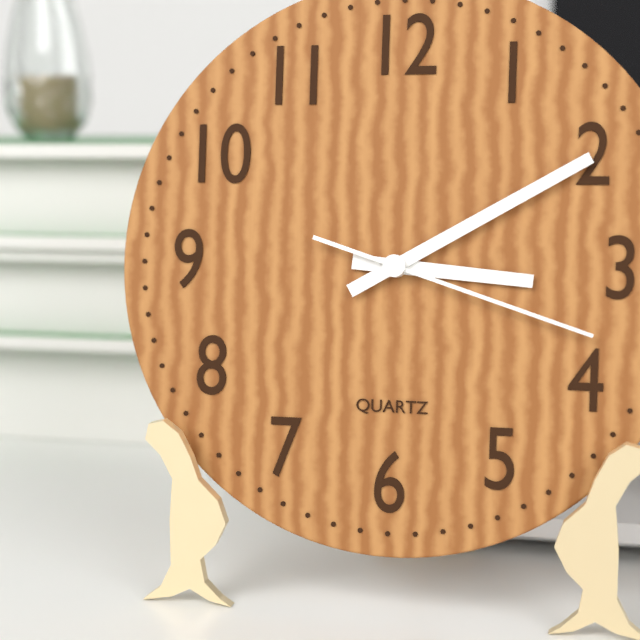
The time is **3:10:18**
